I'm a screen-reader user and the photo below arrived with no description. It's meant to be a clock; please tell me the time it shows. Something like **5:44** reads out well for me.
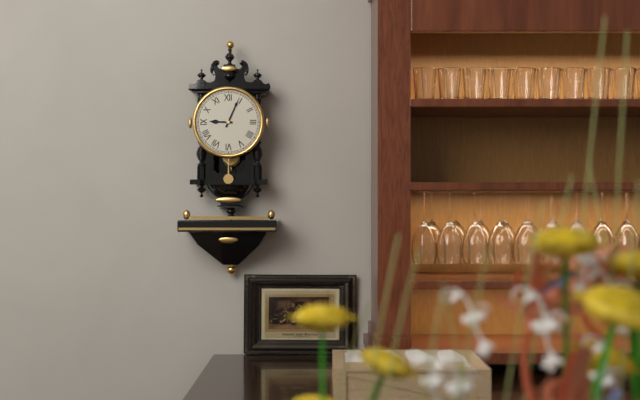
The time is **9:04**
